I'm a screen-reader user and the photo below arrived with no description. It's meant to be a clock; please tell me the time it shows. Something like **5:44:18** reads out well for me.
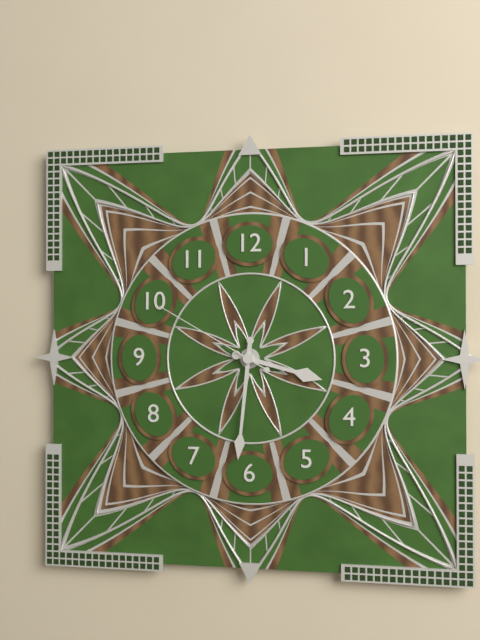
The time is **3:31:50**
